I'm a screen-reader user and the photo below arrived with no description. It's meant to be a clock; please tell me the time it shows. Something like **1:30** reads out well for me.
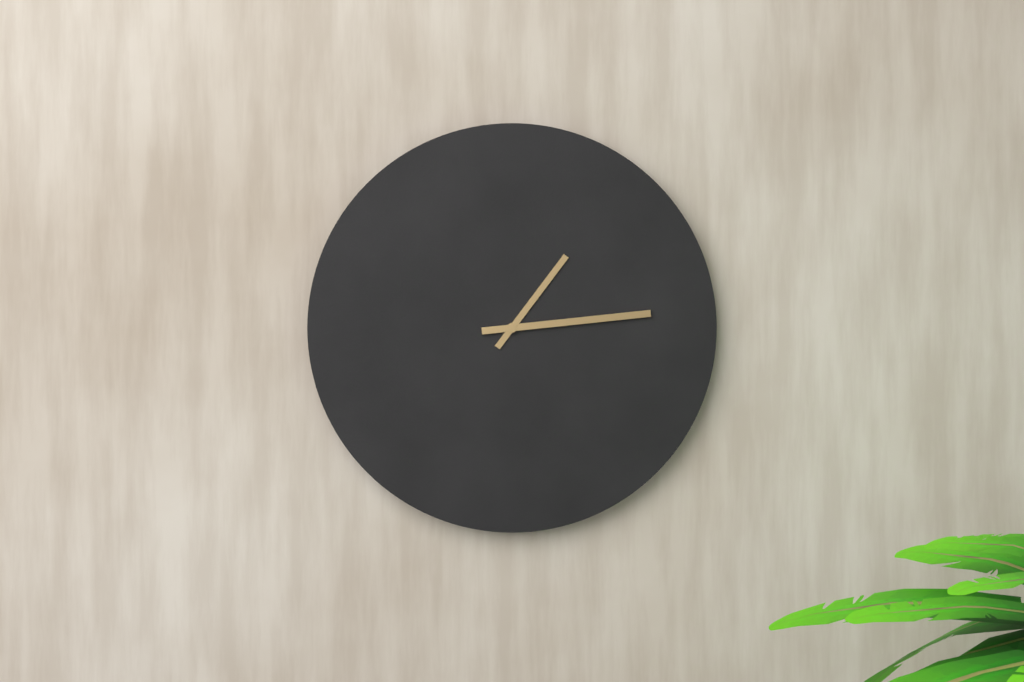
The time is **1:14**
